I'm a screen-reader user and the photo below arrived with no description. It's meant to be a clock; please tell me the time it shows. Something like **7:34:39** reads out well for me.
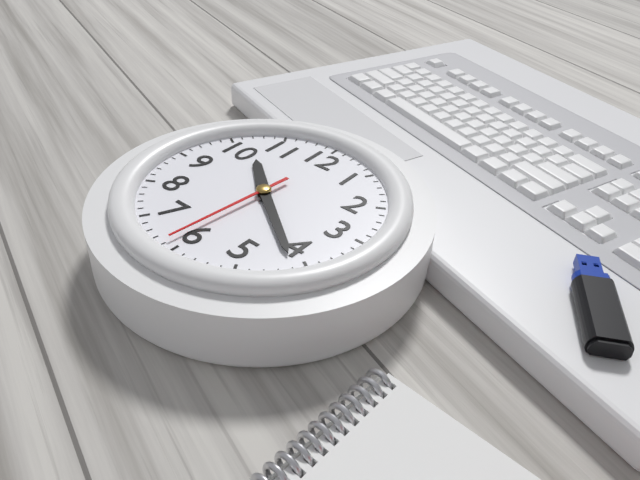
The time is **10:21:31**
